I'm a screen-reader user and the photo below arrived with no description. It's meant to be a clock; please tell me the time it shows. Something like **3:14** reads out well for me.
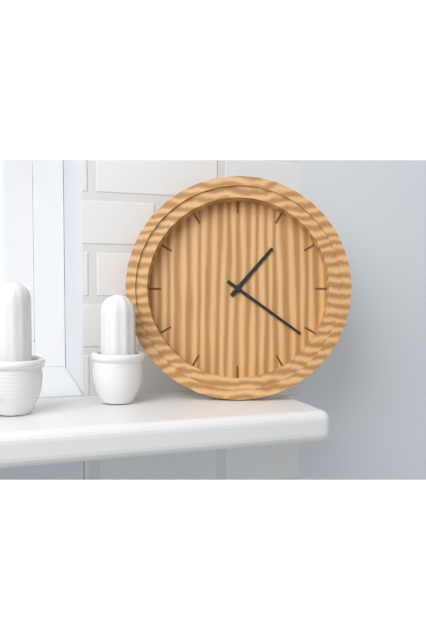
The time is **1:21**
